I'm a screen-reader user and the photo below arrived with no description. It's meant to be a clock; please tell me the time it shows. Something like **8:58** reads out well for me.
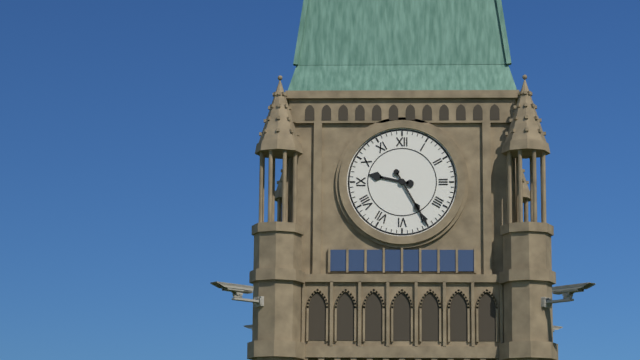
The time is **9:25**
